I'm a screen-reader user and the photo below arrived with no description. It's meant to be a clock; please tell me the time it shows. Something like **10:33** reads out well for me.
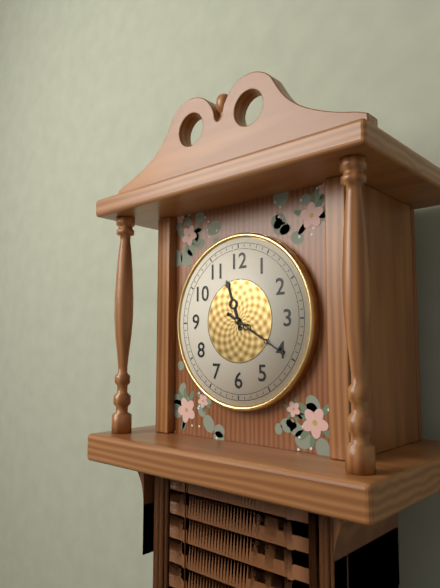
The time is **11:20**
